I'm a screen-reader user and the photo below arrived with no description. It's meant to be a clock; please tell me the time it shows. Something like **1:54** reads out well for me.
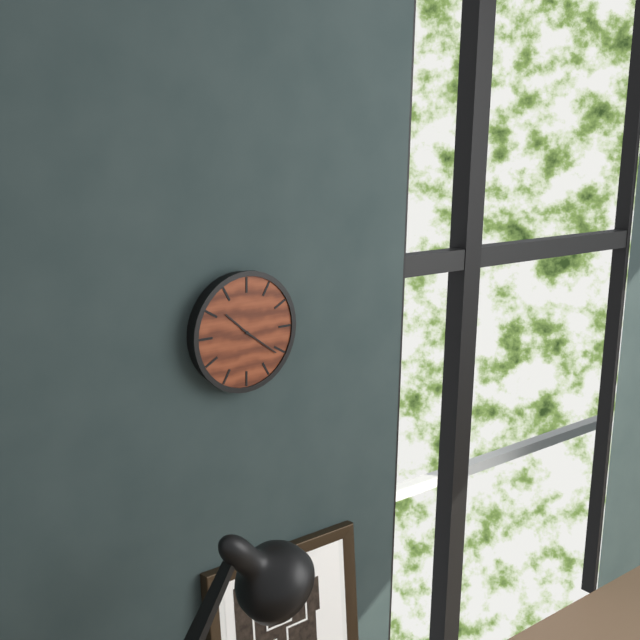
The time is **10:21**
